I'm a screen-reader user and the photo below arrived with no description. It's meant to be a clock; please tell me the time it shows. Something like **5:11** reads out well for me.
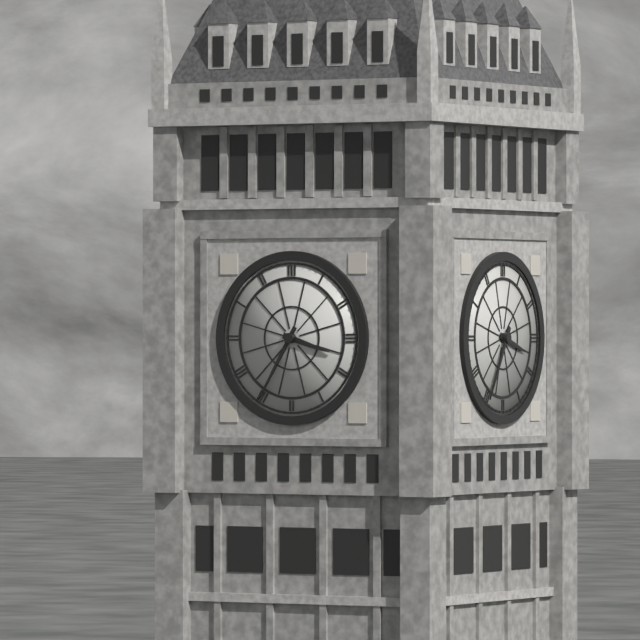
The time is **3:35**
